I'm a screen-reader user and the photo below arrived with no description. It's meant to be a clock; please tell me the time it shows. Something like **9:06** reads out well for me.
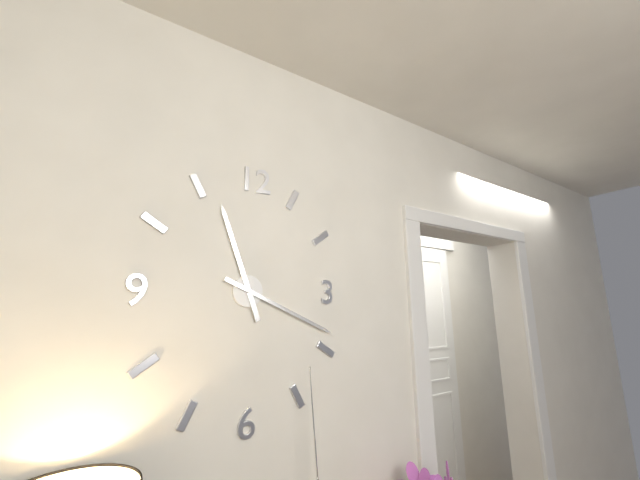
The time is **11:19**
